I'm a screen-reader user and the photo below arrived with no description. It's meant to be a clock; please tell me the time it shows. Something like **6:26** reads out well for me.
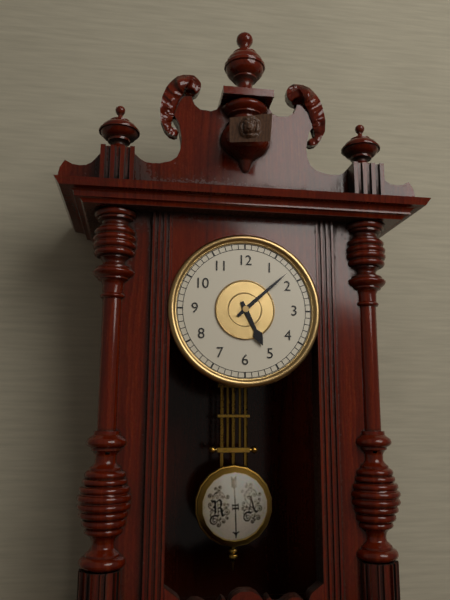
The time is **5:08**
